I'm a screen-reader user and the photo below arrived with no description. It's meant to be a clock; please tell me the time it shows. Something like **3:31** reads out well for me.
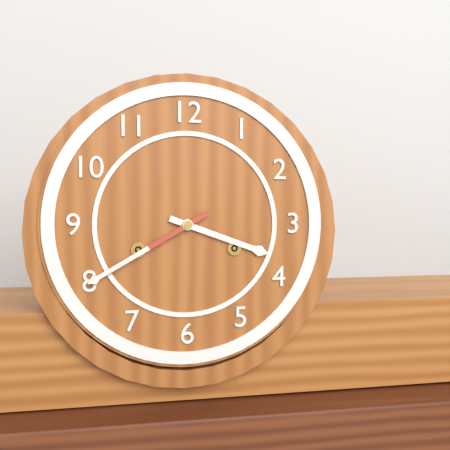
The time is **3:40**
